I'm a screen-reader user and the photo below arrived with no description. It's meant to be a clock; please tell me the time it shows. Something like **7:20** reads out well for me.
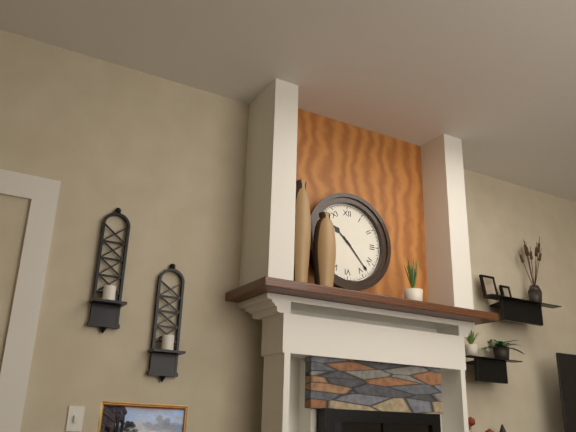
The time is **10:23**
